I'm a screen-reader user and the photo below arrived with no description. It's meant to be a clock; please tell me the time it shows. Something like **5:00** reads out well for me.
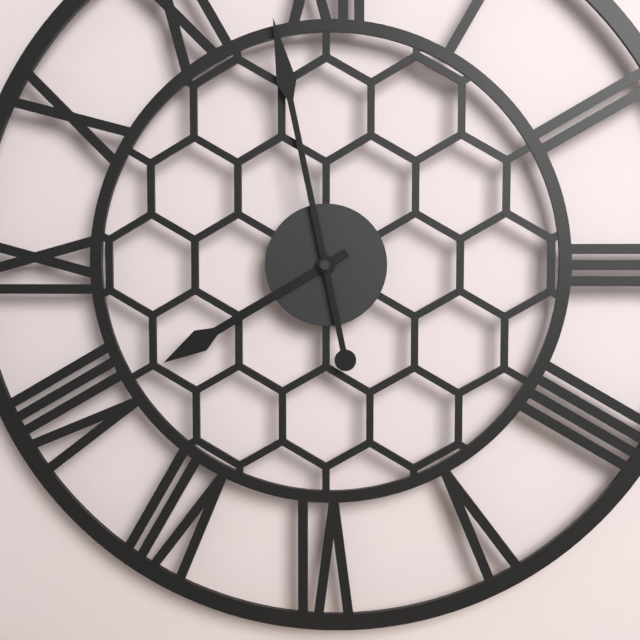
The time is **7:58**
